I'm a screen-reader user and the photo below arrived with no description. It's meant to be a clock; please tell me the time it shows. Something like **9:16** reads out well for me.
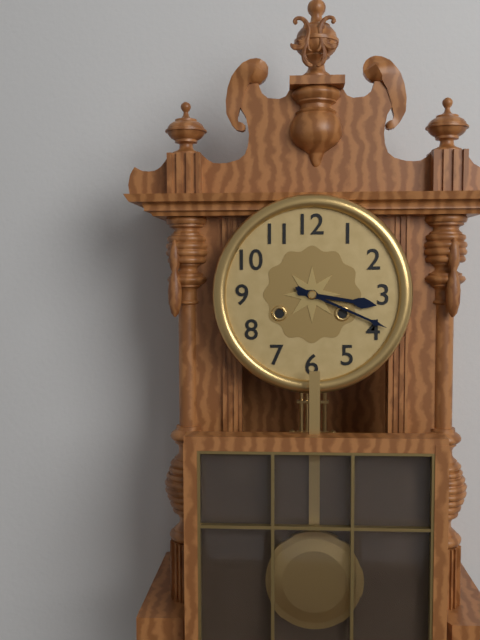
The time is **3:19**
